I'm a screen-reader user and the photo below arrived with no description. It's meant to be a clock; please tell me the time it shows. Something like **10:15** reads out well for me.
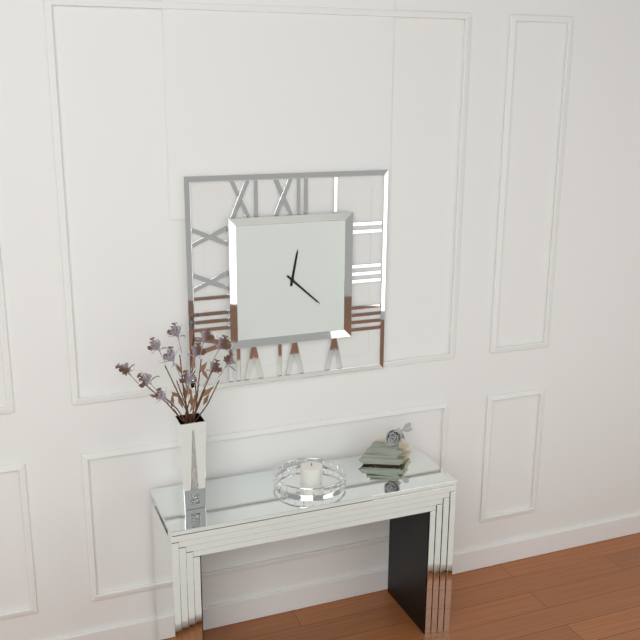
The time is **12:22**
